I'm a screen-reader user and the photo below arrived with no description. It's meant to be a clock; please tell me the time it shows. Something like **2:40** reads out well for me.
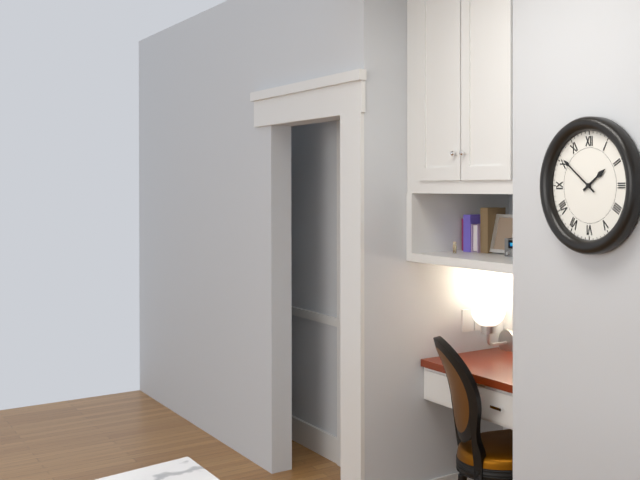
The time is **1:51**
